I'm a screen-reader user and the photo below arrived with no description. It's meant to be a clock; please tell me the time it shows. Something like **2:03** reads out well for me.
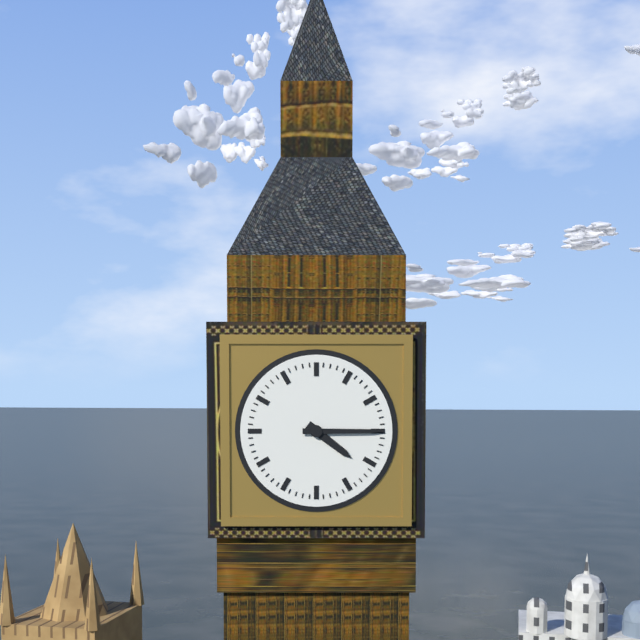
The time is **4:15**
